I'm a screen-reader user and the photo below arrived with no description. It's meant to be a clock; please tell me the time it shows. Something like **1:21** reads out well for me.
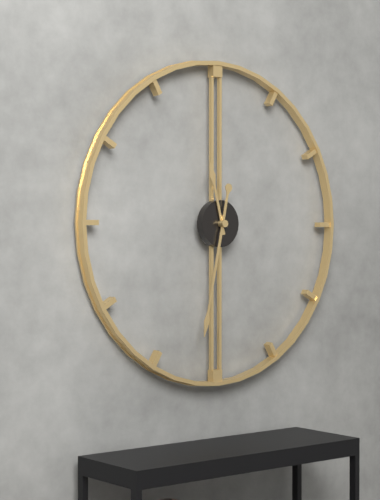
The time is **11:32**
